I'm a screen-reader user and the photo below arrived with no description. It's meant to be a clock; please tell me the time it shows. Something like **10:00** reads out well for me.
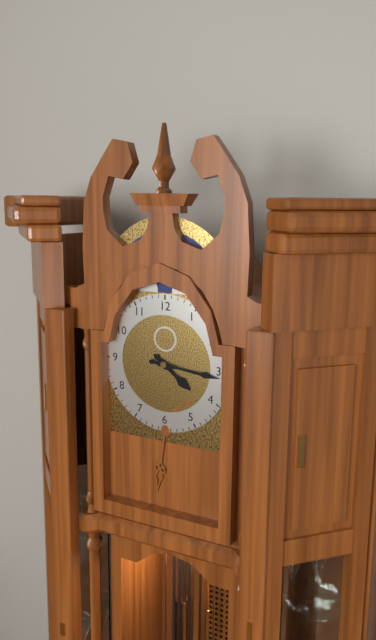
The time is **4:16**
